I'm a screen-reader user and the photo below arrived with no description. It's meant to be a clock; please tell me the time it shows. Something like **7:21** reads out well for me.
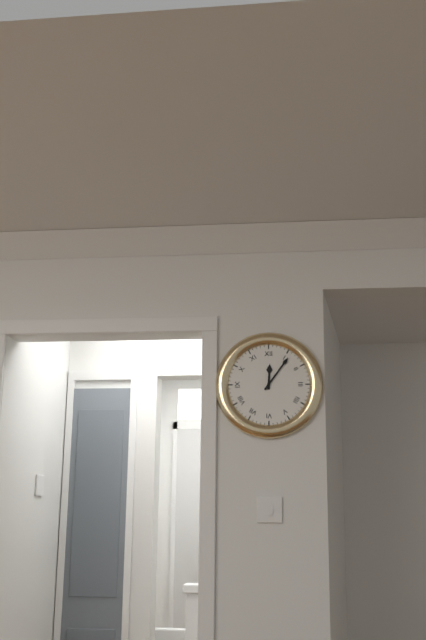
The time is **12:06**
